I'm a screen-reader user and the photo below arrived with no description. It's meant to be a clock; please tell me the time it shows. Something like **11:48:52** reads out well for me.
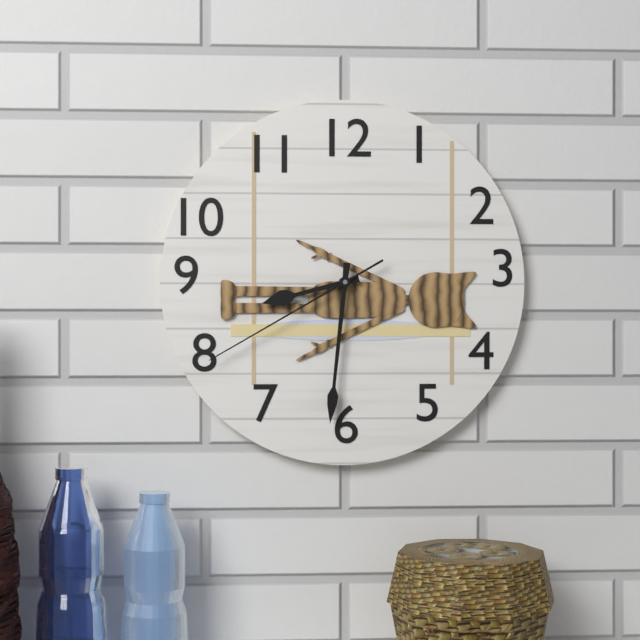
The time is **8:31:40**
